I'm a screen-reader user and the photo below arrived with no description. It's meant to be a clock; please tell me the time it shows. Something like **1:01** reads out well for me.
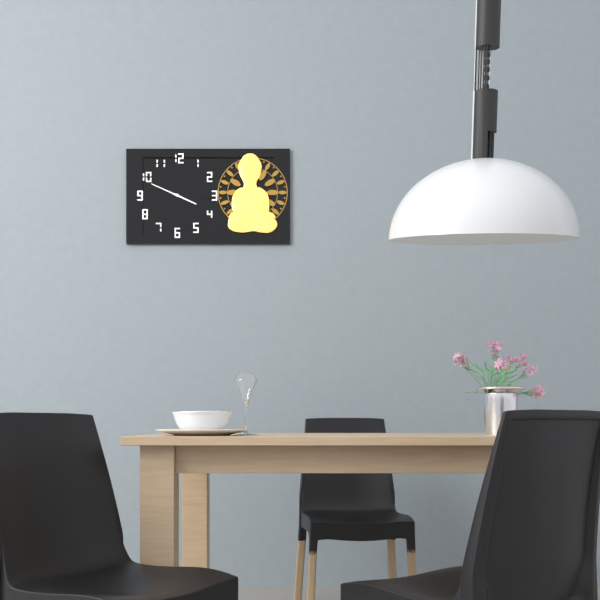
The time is **3:49**
